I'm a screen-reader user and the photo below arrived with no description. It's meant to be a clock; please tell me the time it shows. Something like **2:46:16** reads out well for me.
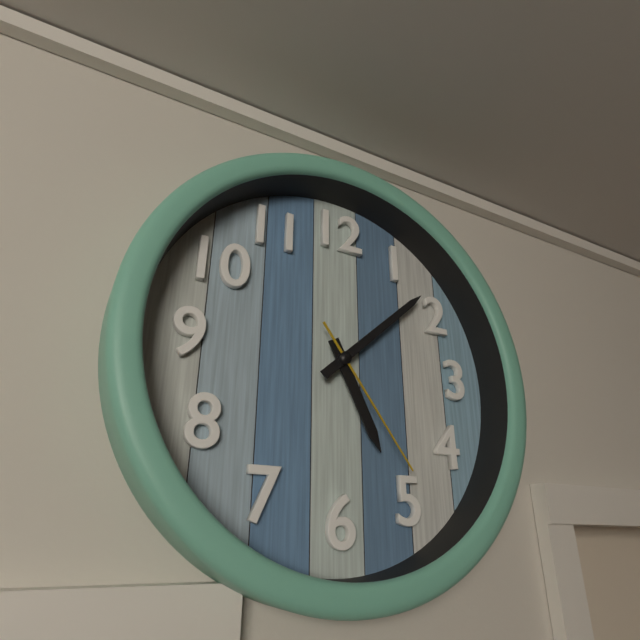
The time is **5:08:24**
